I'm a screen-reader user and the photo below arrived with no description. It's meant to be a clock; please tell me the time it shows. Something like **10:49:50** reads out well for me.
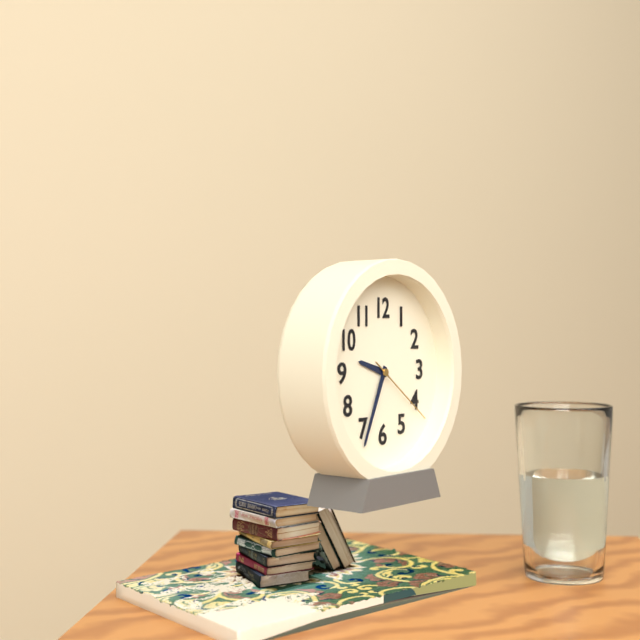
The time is **9:34:21**
